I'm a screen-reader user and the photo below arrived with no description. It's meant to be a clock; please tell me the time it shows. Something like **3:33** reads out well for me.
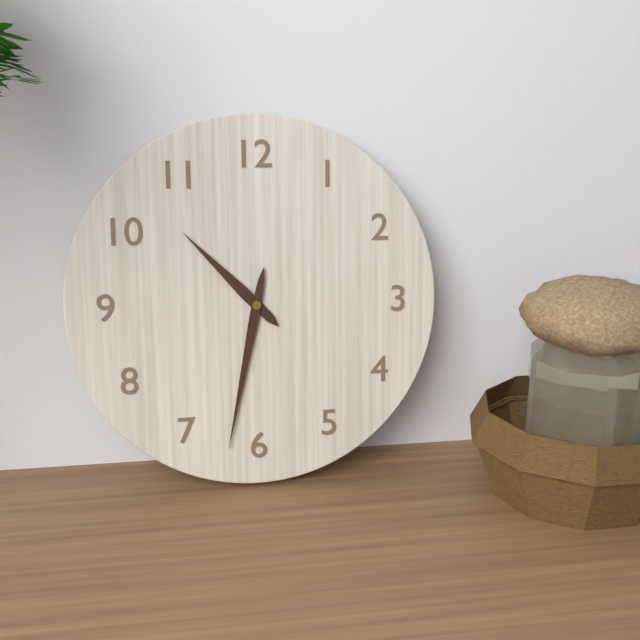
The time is **10:32**
